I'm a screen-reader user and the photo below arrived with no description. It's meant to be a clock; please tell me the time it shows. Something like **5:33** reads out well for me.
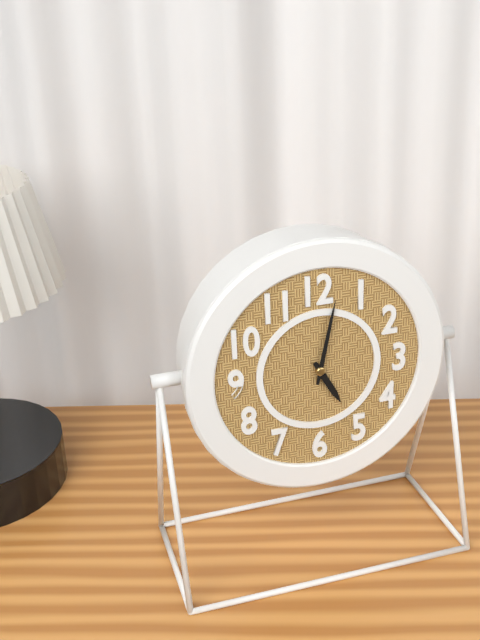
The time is **5:02**
